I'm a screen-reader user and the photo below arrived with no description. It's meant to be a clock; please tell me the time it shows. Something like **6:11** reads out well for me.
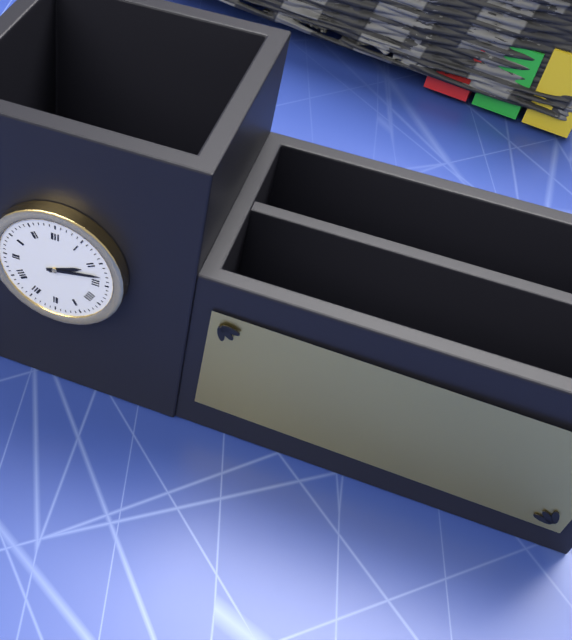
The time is **2:13**
